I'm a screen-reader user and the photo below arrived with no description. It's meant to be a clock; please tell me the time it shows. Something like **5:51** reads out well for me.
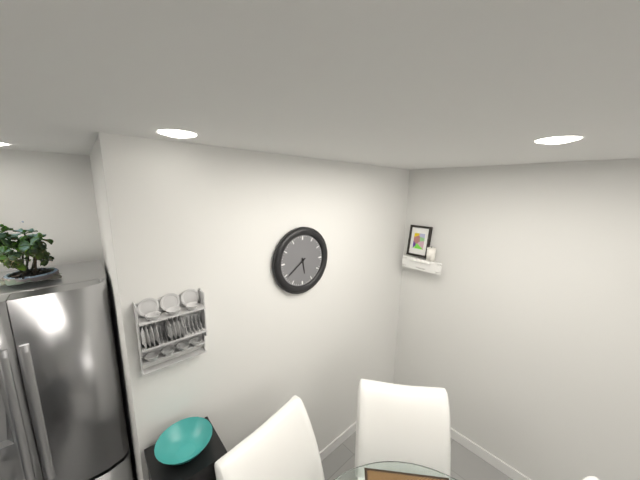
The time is **5:39**
